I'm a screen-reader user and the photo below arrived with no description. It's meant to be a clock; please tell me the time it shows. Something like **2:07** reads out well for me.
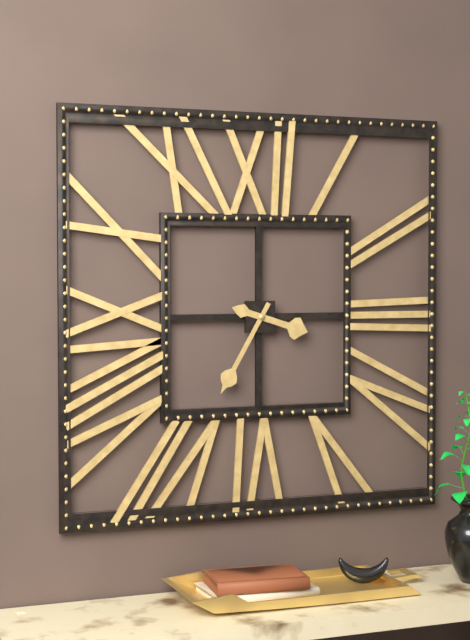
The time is **3:35**
